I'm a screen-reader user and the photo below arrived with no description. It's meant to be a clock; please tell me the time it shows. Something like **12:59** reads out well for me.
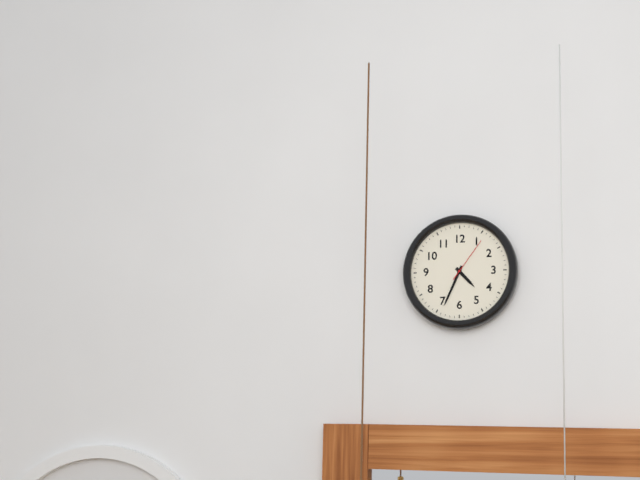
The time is **4:34**
